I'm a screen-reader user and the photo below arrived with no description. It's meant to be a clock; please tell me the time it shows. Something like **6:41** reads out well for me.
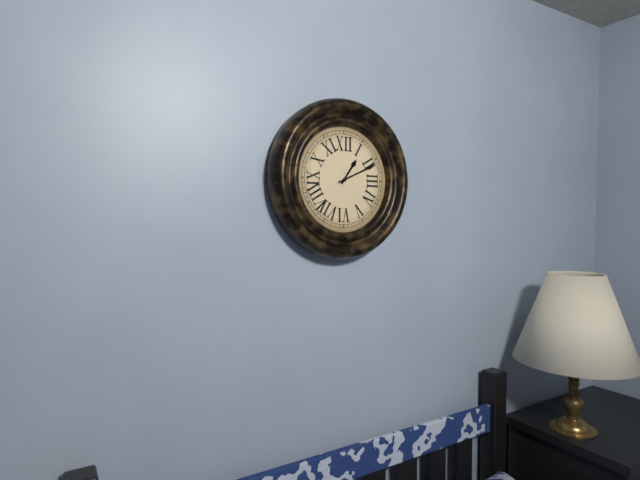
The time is **1:11**
